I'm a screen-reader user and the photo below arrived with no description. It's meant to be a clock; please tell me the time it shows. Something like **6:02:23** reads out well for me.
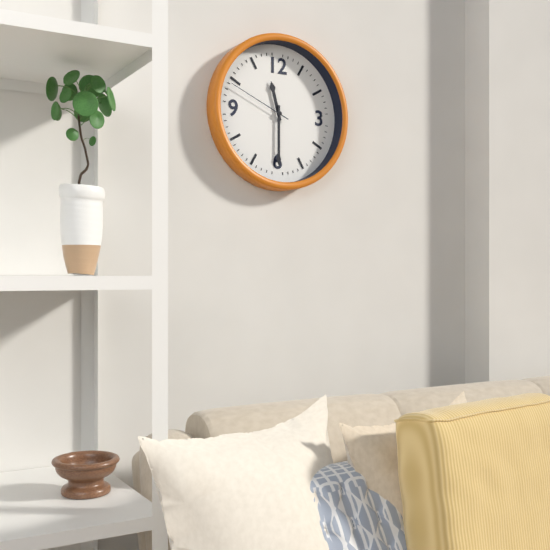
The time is **11:30:49**
